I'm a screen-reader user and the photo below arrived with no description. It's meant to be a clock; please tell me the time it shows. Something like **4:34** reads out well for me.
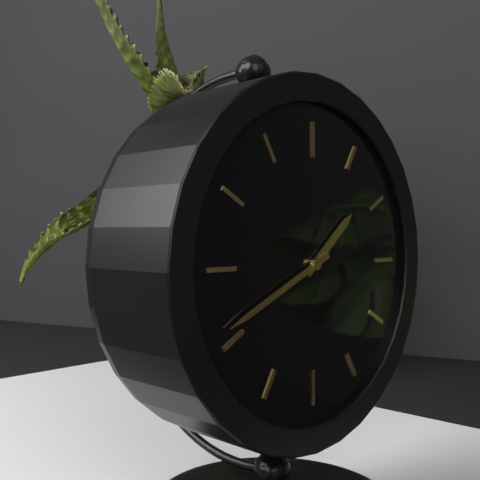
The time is **1:41**
